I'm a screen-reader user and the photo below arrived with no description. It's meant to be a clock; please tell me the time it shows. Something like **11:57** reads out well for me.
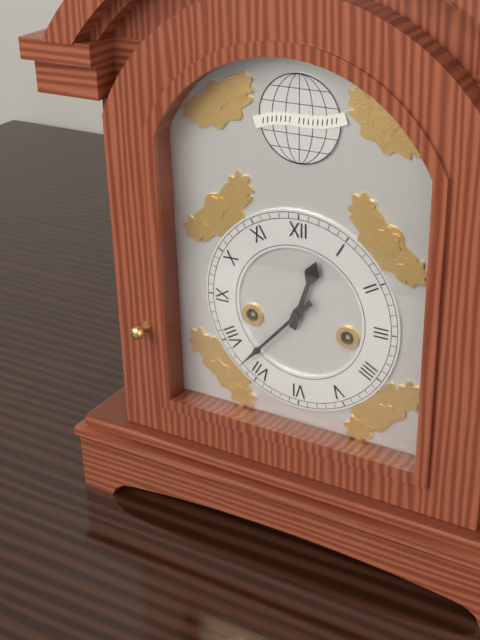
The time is **12:37**
